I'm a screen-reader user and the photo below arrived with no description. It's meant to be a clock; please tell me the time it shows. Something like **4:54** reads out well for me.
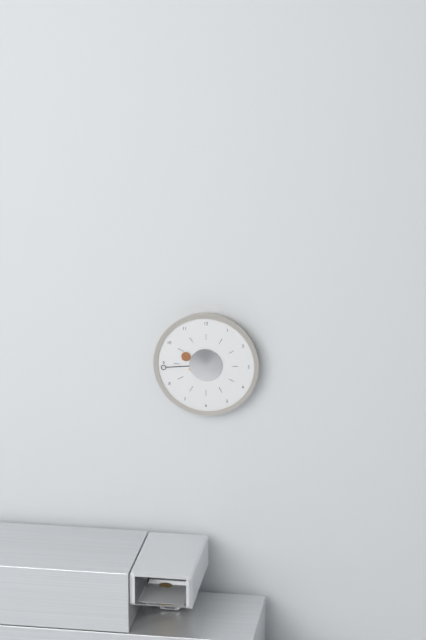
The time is **9:44**
